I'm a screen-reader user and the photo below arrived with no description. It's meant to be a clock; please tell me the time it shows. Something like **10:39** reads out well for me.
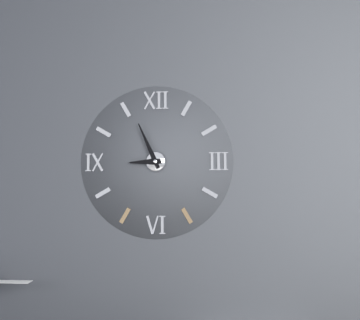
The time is **8:56**
